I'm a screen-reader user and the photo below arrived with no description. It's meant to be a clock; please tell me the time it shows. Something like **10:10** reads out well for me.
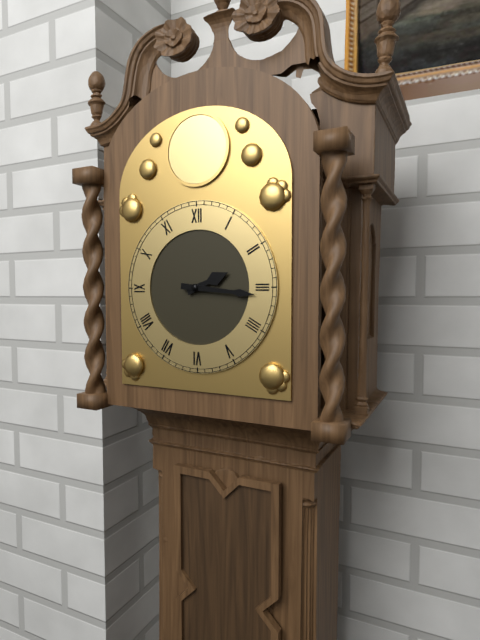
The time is **2:16**
